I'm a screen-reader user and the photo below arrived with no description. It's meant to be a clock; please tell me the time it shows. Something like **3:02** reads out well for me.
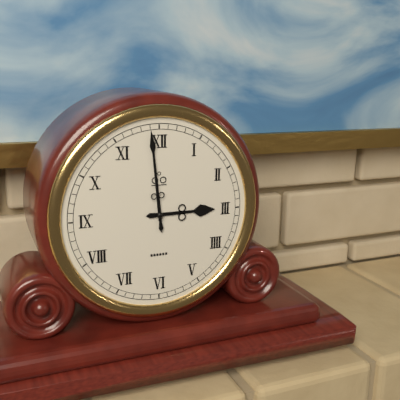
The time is **2:59**
